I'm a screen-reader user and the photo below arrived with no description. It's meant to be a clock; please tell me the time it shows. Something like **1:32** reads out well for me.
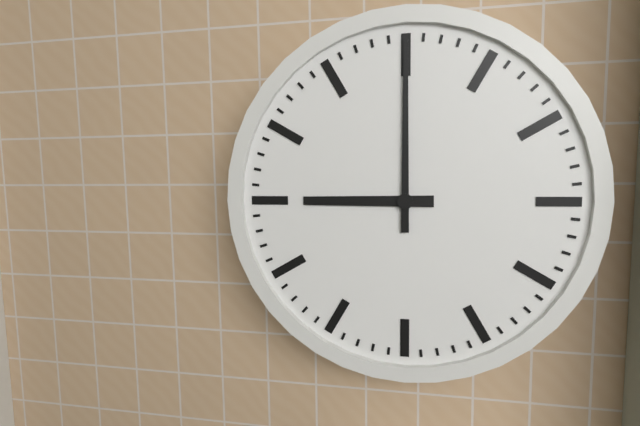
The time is **9:00**
